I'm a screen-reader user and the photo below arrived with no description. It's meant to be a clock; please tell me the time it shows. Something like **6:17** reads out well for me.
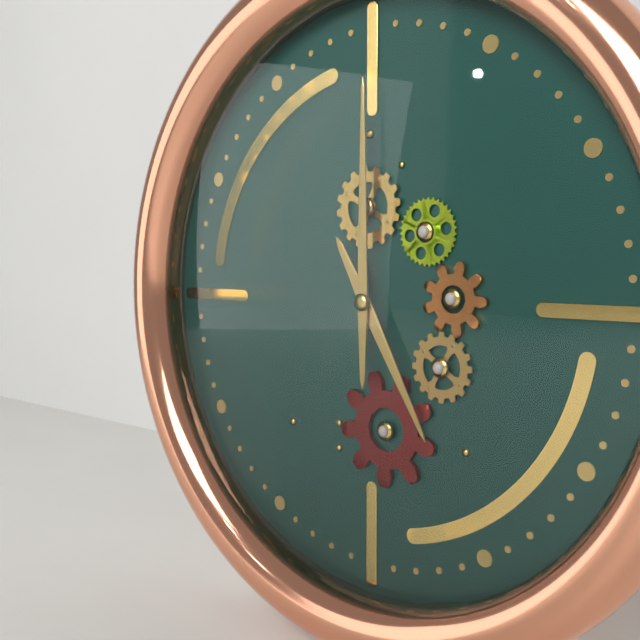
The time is **5:00**
